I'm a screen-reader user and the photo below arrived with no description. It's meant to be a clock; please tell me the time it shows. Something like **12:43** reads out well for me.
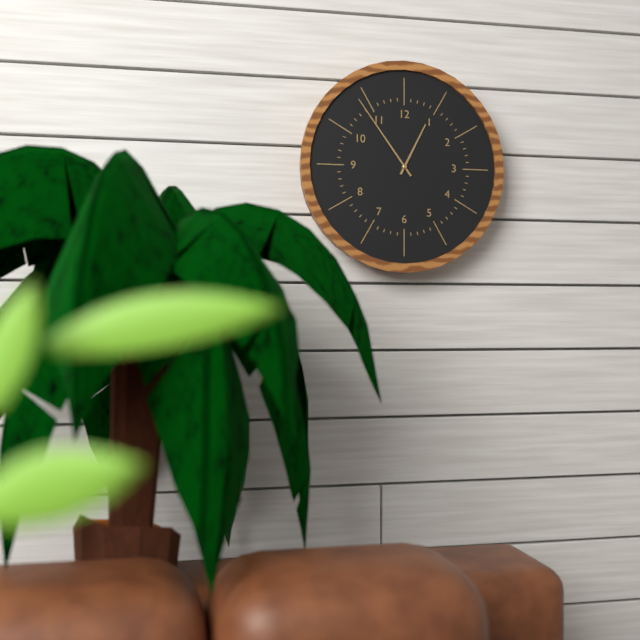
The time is **12:54**
